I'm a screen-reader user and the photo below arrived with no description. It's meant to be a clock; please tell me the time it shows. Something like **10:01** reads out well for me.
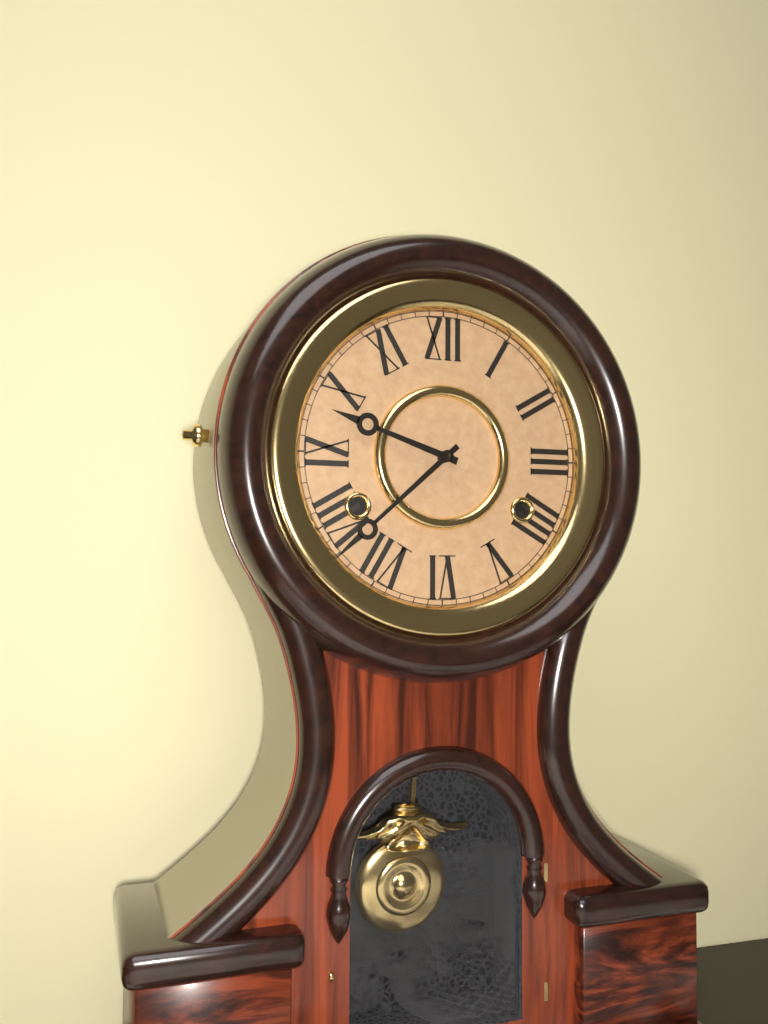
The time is **9:38**
